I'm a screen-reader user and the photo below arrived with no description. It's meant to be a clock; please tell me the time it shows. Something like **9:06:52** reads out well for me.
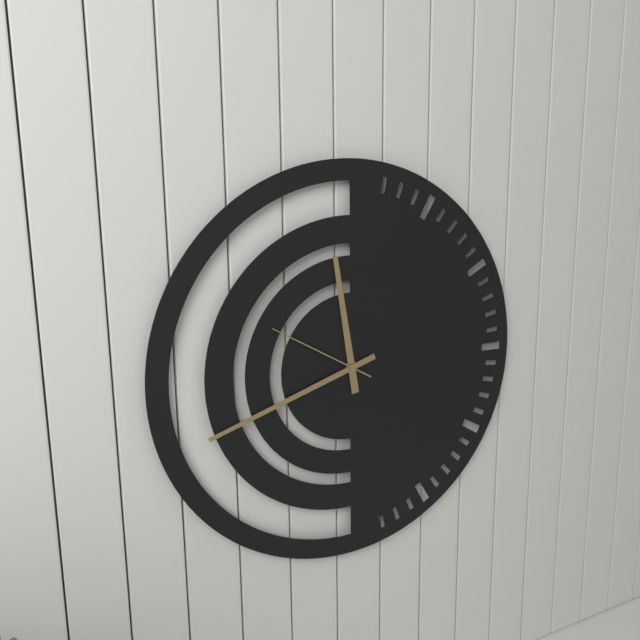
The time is **11:42:50**
